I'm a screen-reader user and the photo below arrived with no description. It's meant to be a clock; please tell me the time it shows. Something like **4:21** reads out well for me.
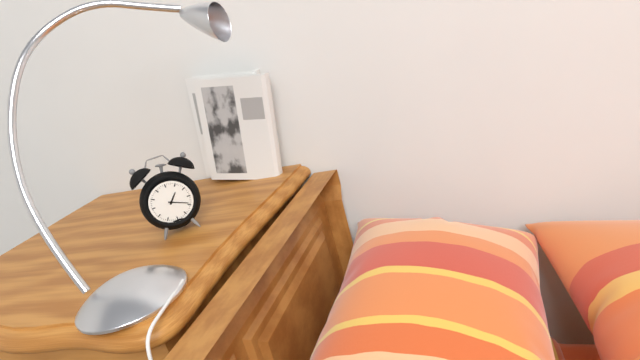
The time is **1:19**
